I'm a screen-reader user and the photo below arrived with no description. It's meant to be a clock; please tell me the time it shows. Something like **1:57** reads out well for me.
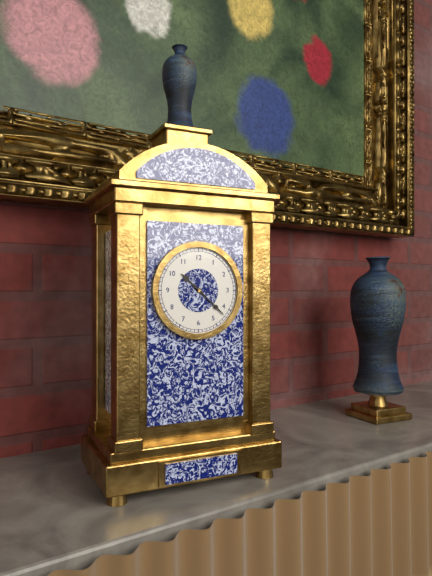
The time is **10:22**
